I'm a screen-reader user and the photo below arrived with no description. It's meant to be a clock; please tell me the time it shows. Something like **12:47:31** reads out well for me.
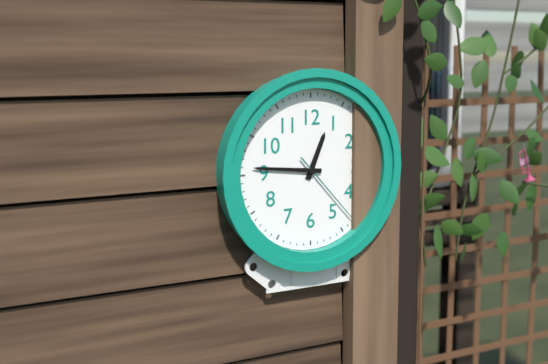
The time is **12:46:23**
